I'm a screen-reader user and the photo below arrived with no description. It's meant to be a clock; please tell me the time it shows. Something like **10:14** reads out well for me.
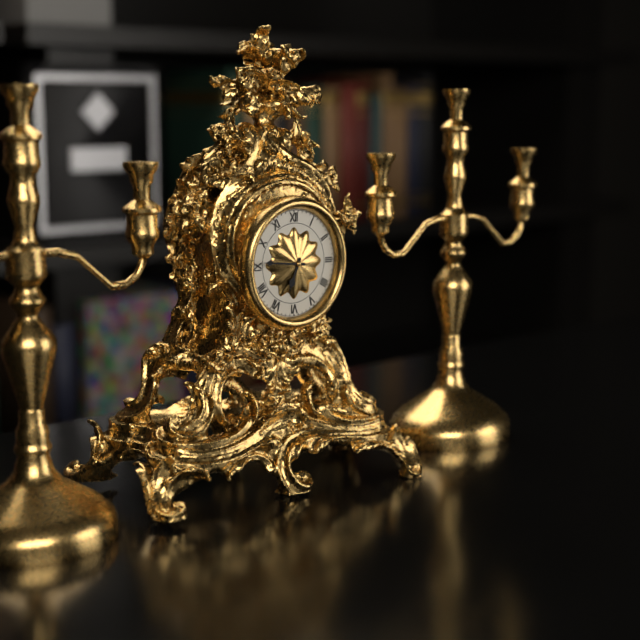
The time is **6:46**
